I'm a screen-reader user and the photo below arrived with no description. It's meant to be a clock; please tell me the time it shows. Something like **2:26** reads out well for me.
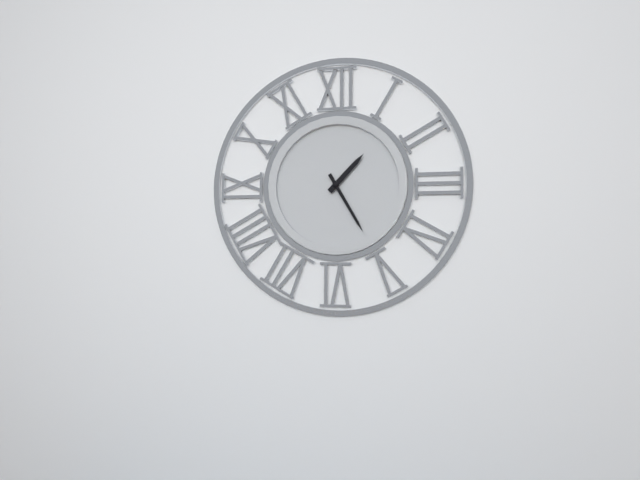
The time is **1:25**
